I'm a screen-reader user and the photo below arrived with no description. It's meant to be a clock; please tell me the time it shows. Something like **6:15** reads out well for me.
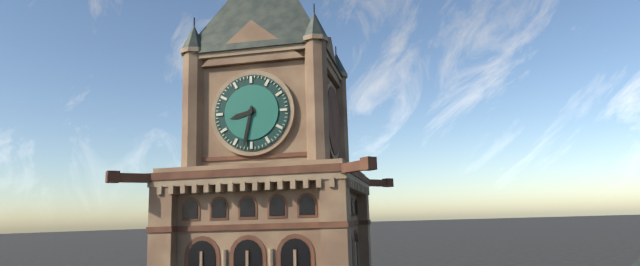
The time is **8:32**
